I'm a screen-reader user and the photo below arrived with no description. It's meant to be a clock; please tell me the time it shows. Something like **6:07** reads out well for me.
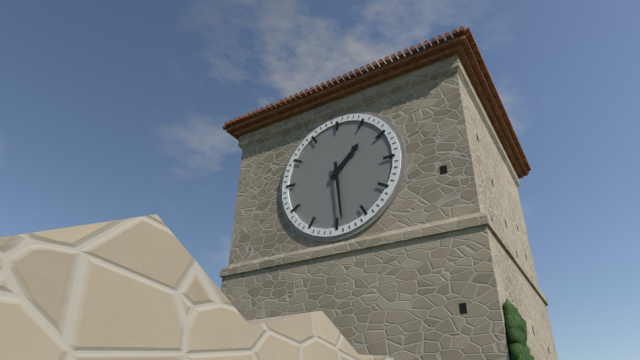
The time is **1:29**
